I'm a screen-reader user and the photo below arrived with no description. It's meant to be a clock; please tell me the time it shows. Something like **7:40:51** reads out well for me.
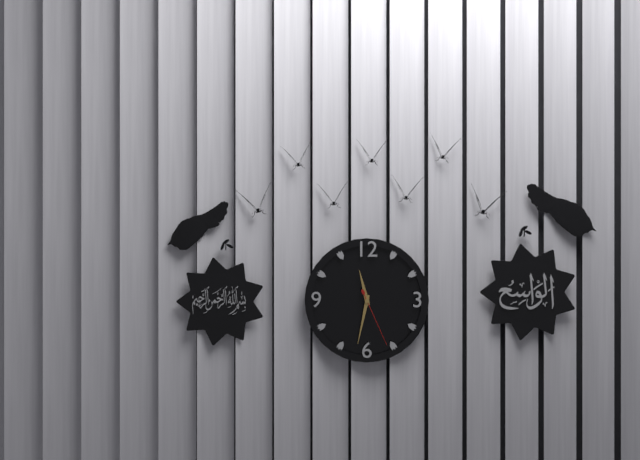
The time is **11:32:26**
